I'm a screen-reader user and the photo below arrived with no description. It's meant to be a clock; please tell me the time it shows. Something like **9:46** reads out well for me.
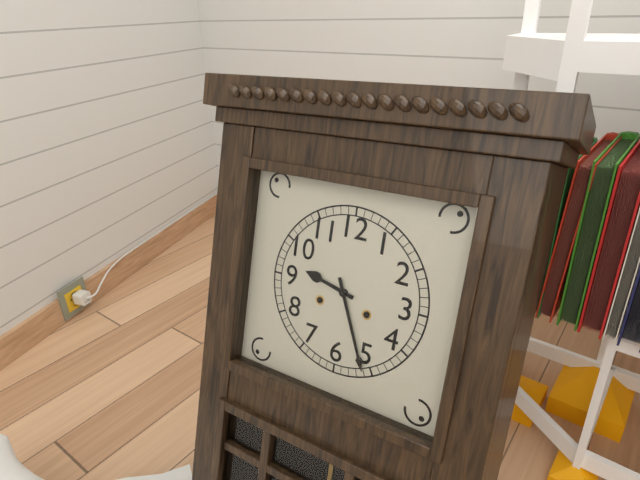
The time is **9:26**
